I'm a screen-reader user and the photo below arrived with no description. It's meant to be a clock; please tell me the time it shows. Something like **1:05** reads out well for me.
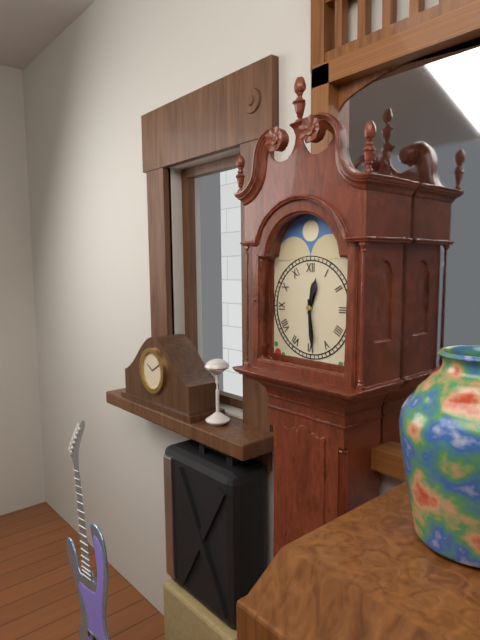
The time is **12:29**
